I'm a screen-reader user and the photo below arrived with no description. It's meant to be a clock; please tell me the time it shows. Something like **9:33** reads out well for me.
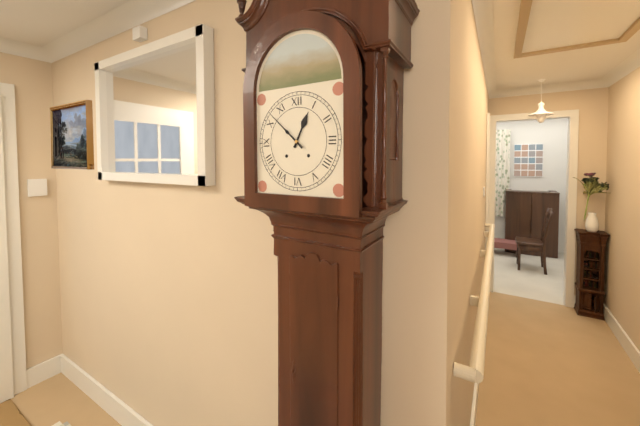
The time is **12:52**
